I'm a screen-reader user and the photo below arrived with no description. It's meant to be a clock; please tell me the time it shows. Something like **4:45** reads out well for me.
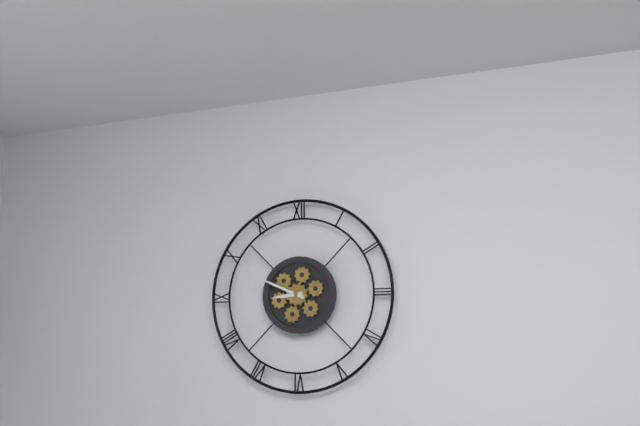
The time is **8:49**
